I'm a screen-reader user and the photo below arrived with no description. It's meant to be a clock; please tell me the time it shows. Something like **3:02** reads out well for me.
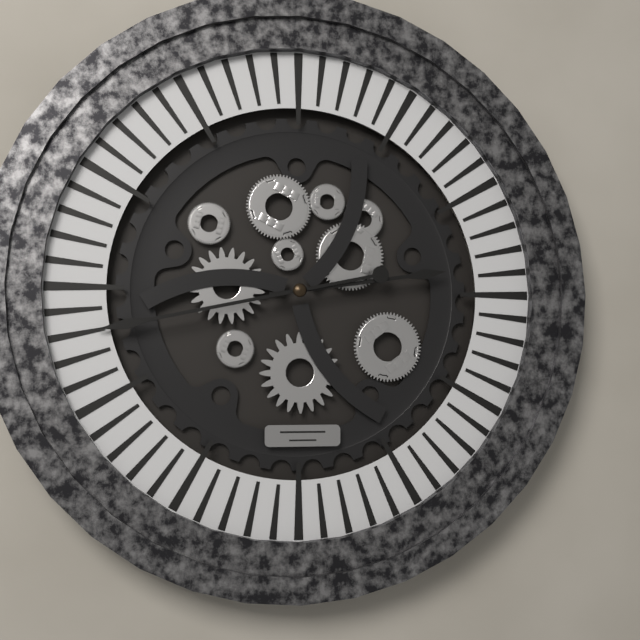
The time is **2:43**
